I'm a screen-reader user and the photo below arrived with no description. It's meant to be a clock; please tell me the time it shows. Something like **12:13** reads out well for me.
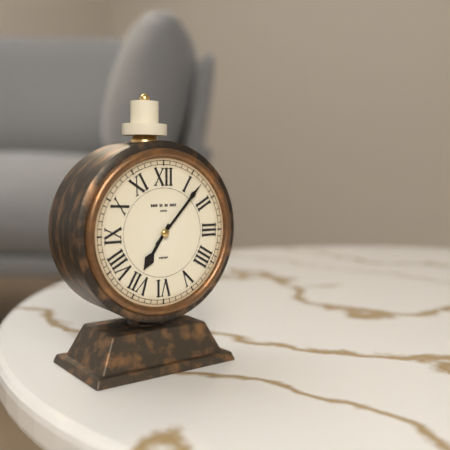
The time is **7:07**
